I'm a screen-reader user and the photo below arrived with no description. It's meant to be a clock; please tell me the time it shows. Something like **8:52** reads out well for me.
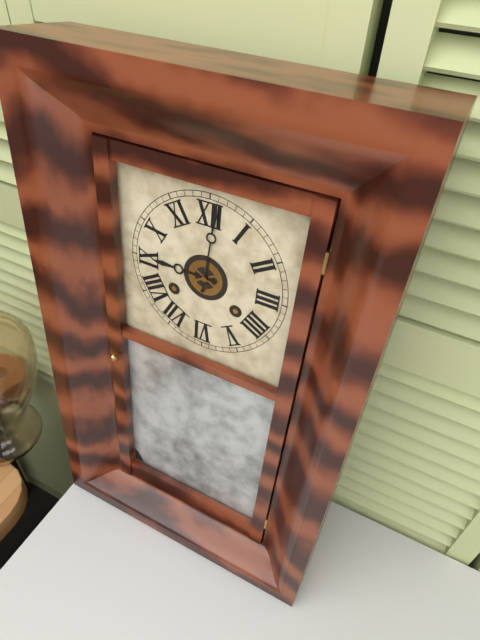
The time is **9:01**
